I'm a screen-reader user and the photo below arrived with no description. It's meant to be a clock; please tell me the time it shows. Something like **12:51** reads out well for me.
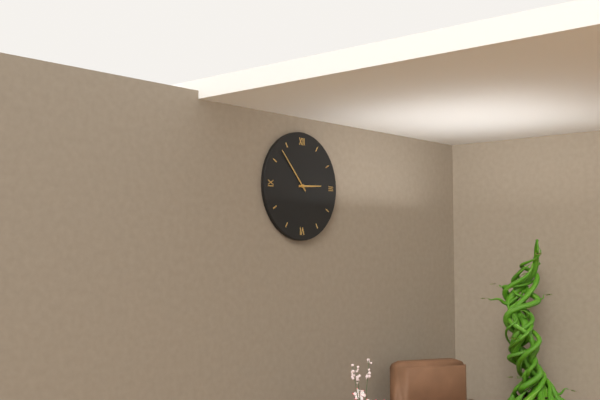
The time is **2:53**
